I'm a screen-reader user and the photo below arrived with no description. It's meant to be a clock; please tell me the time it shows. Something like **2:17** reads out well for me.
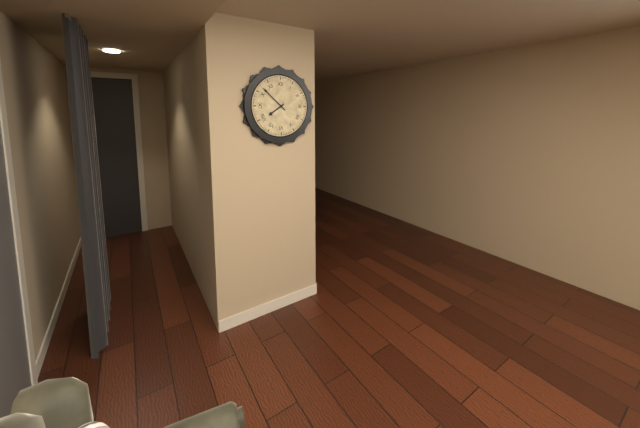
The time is **7:52**
